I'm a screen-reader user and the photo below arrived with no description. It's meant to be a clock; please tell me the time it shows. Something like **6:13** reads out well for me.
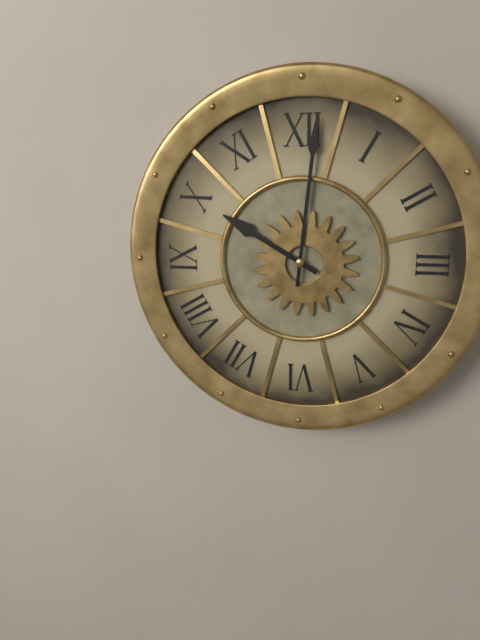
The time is **10:01**
